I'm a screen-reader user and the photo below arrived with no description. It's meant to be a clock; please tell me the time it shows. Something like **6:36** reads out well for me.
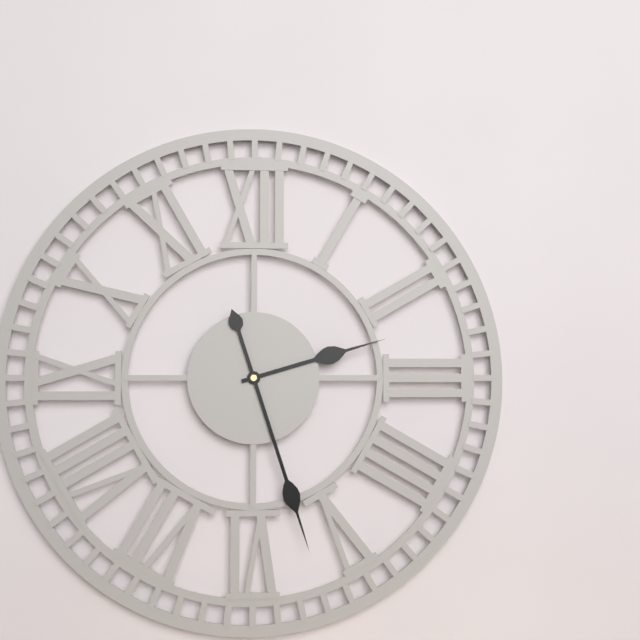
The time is **2:27**
